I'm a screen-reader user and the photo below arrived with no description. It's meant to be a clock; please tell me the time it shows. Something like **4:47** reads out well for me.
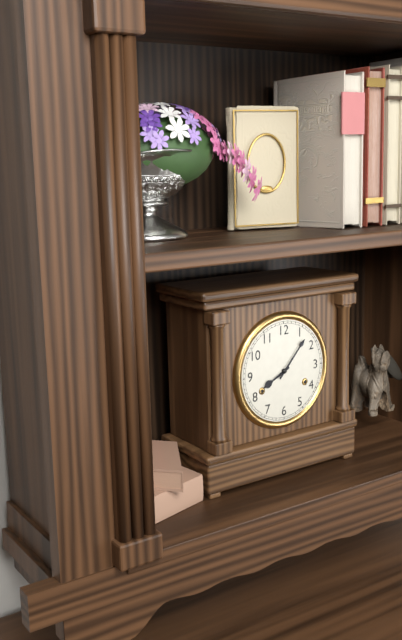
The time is **8:07**
